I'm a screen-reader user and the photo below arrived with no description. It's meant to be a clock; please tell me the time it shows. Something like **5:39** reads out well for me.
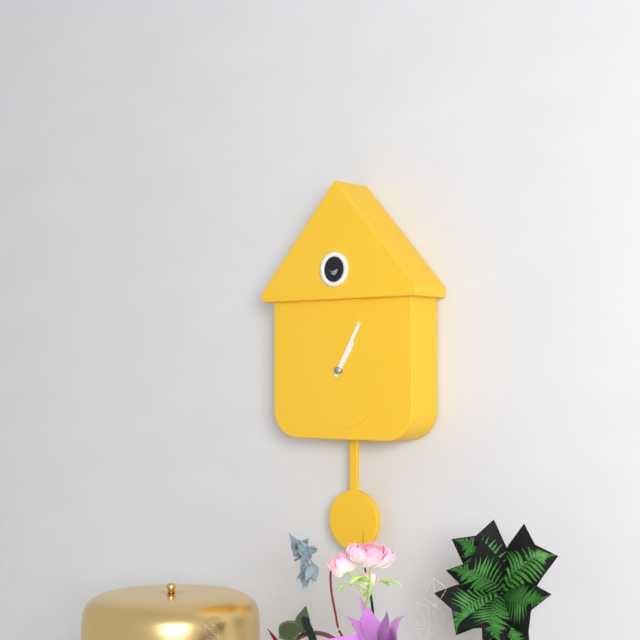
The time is **1:05**
